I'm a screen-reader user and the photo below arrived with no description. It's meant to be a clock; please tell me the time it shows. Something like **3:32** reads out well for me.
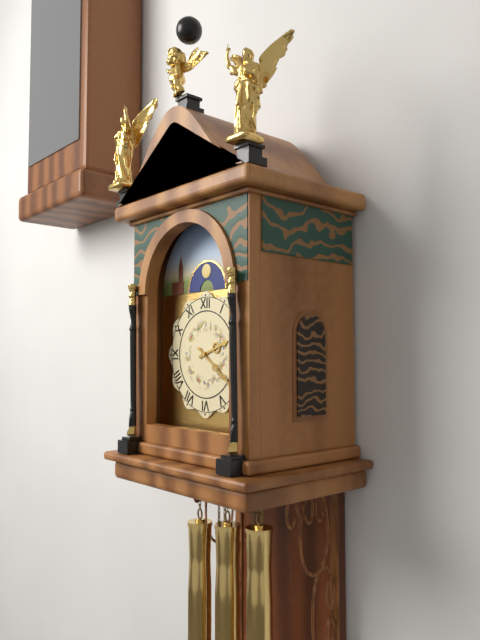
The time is **2:21**
